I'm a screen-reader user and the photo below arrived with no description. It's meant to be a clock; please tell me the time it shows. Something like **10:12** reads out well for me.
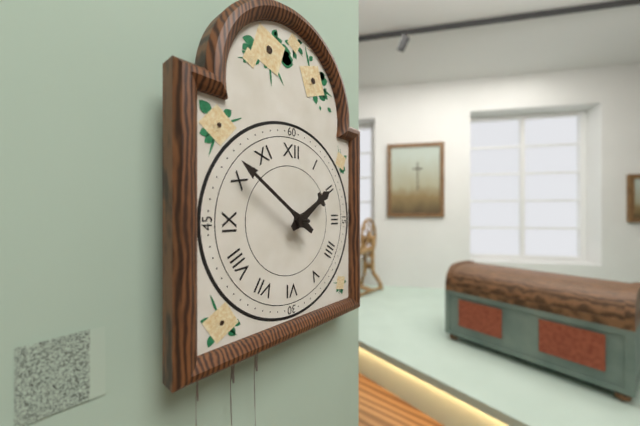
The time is **1:51**
